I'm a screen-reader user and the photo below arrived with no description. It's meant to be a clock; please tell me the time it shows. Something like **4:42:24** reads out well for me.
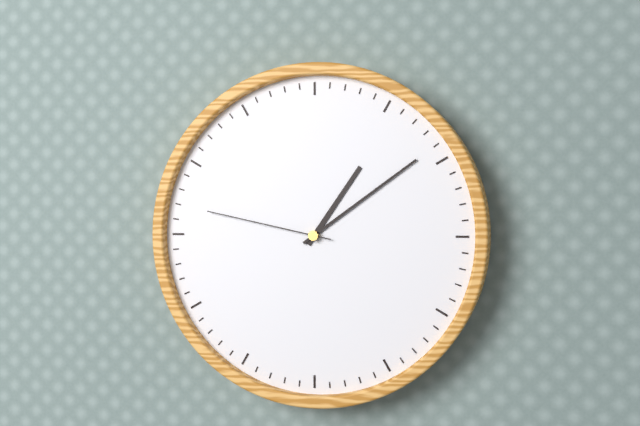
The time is **1:09:47**
